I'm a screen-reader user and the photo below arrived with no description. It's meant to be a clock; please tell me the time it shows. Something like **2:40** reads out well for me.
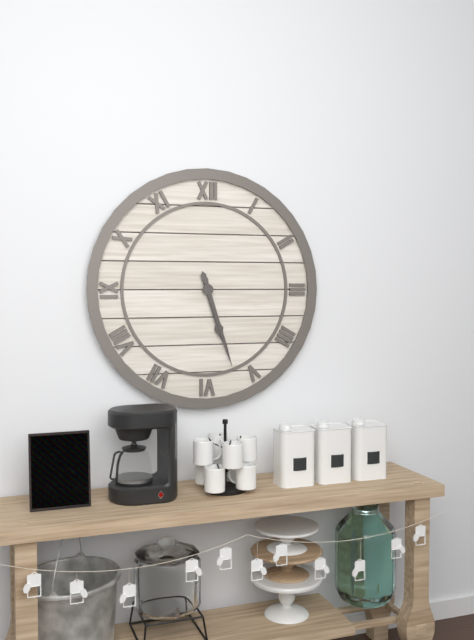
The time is **5:27**
